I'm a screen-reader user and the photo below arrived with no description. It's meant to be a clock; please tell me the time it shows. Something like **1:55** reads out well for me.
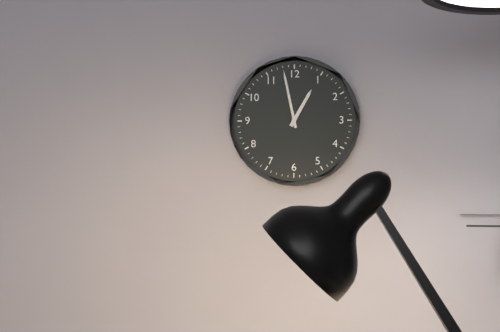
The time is **12:58**
